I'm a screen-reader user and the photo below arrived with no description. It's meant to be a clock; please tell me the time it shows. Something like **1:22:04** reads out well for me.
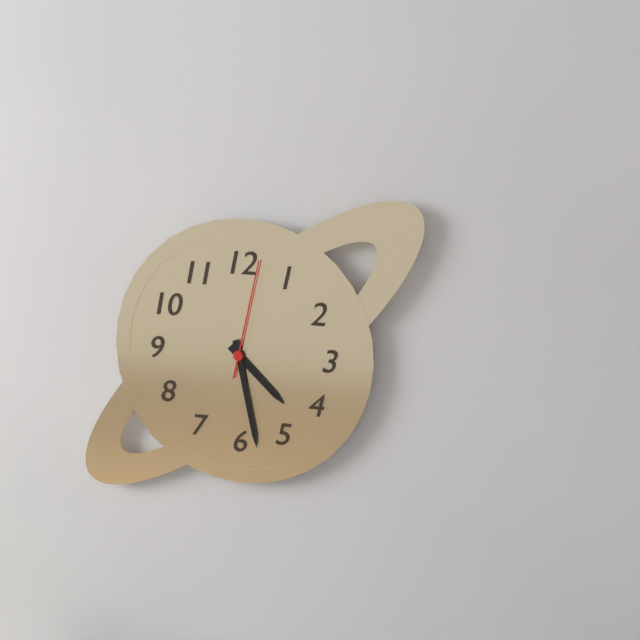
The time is **4:28:02**
